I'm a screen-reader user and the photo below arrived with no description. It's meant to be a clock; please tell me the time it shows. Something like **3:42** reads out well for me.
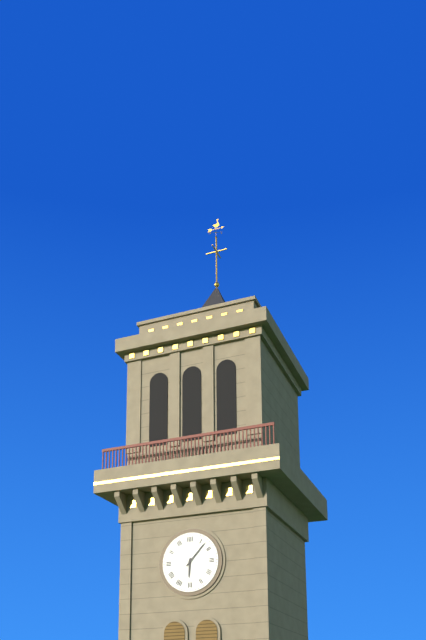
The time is **6:07**
